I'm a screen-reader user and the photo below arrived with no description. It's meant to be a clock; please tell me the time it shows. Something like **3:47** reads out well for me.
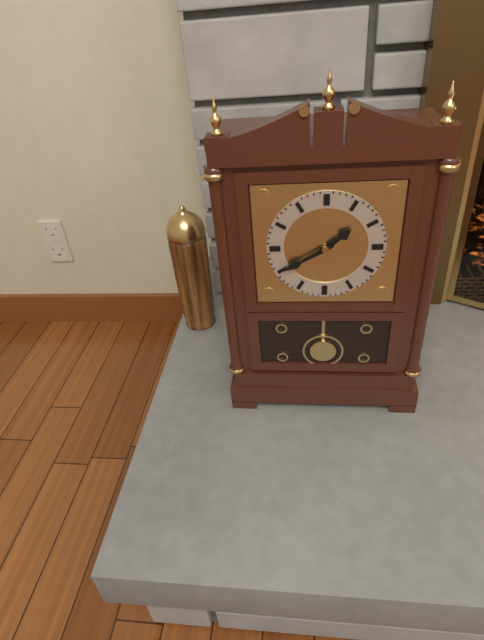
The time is **1:40**
